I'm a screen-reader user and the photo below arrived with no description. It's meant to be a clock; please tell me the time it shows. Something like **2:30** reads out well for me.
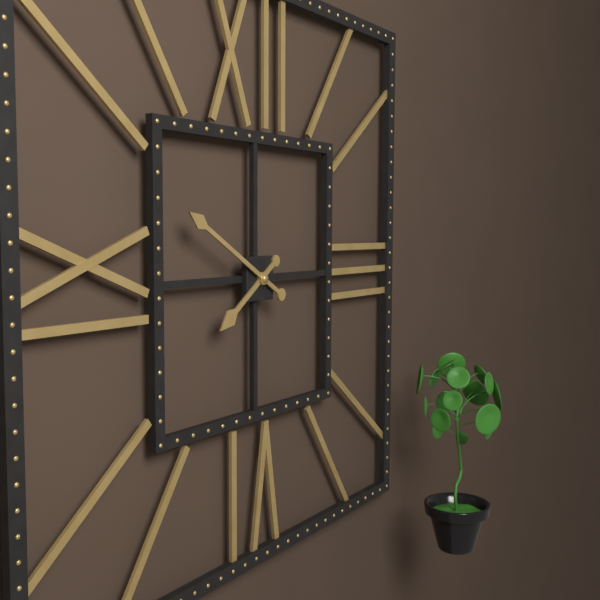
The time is **7:50**
